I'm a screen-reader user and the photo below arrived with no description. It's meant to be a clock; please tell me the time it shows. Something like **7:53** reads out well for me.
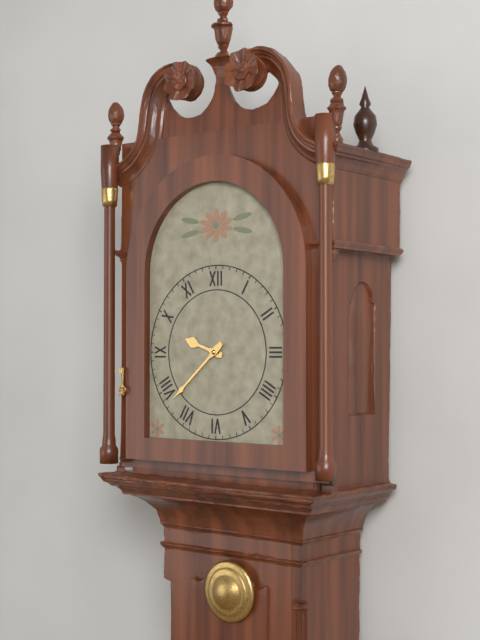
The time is **9:38**
